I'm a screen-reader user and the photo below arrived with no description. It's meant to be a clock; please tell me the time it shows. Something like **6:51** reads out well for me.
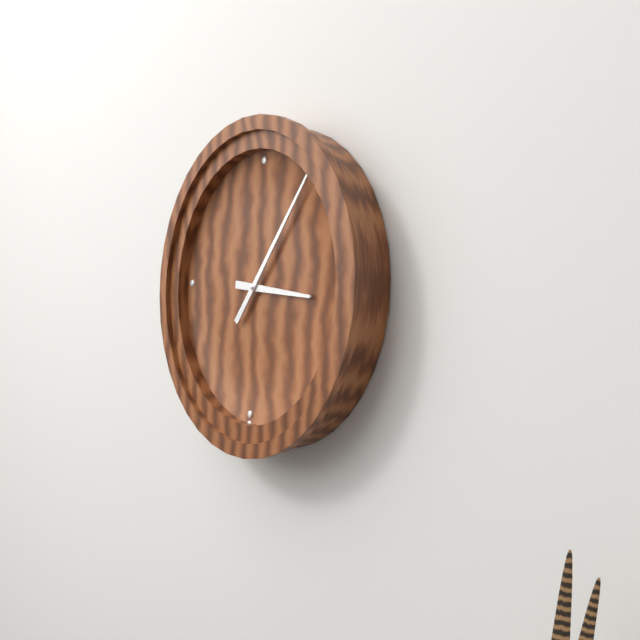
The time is **3:06**
